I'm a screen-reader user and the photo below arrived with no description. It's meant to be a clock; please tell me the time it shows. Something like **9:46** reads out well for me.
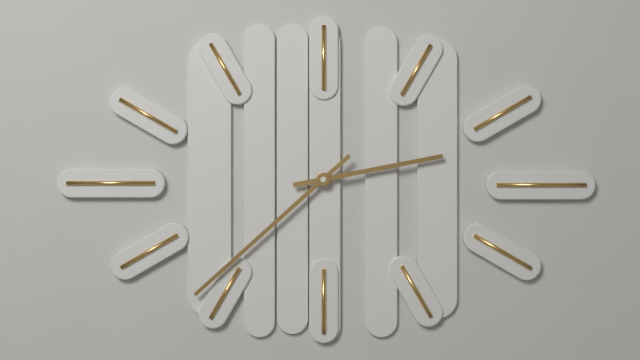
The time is **2:38**
